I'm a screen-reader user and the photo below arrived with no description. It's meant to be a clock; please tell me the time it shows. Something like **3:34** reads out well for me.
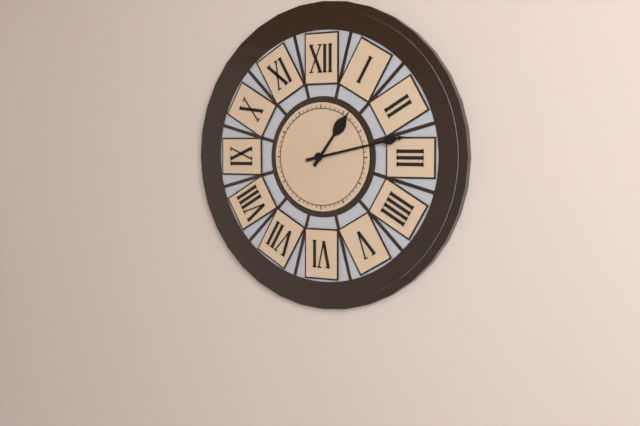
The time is **1:13**
